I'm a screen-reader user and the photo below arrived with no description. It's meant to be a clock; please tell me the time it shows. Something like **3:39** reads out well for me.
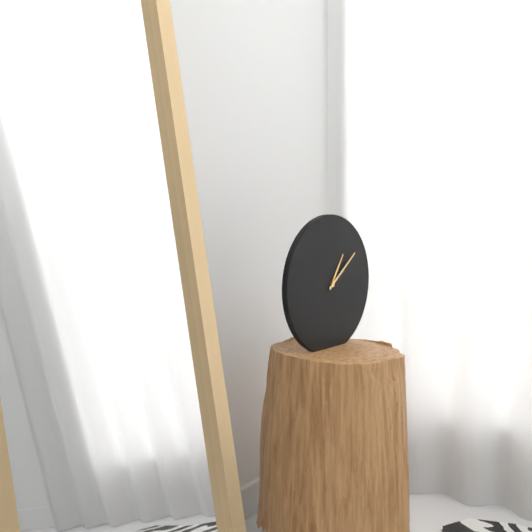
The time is **1:09**
